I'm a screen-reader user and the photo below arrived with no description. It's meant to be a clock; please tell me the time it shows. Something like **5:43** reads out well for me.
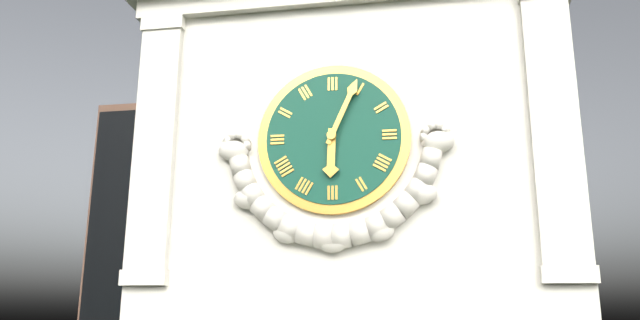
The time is **6:04**
